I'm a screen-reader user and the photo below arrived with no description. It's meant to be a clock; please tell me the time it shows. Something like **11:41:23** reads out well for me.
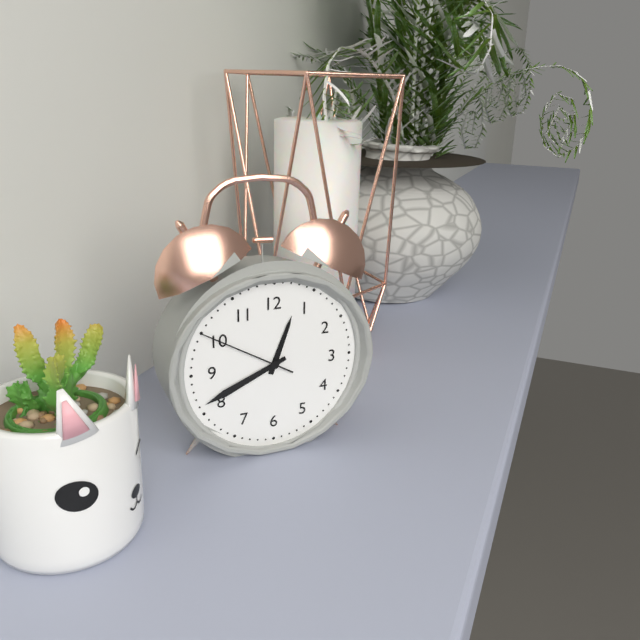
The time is **12:41:50**
